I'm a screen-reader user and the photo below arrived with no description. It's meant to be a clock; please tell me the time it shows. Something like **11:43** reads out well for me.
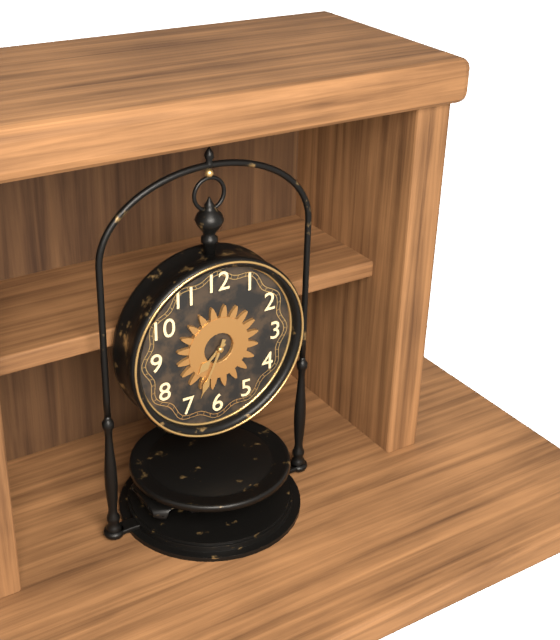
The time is **7:34**
